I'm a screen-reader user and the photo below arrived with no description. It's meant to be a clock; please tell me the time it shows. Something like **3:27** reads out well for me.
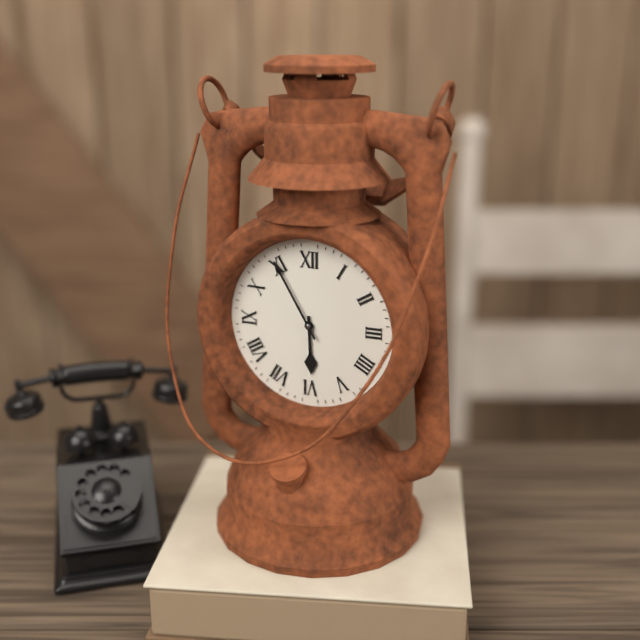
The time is **5:55**
